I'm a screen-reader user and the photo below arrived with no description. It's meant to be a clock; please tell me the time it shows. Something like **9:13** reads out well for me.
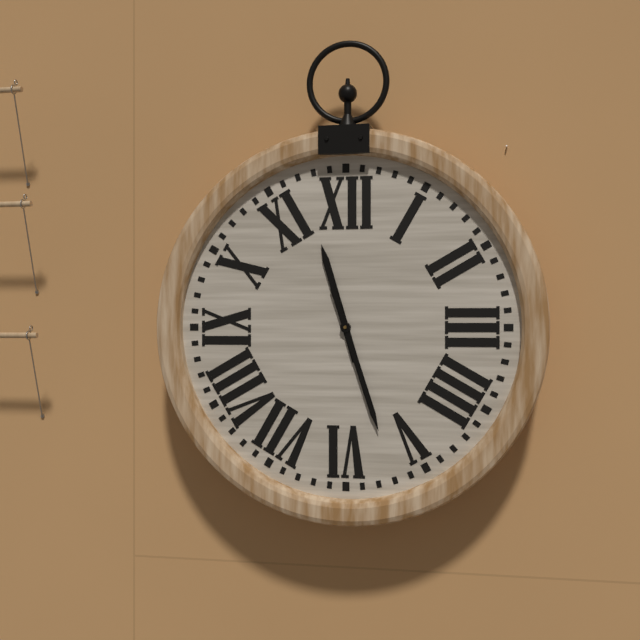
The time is **11:27**
